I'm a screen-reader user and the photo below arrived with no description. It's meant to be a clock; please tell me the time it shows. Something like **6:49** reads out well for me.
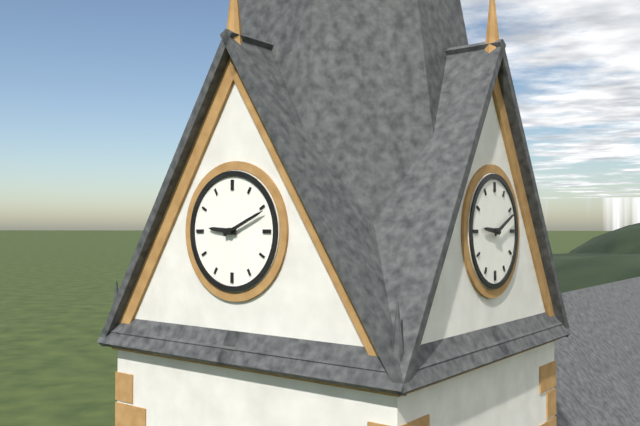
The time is **9:11**
